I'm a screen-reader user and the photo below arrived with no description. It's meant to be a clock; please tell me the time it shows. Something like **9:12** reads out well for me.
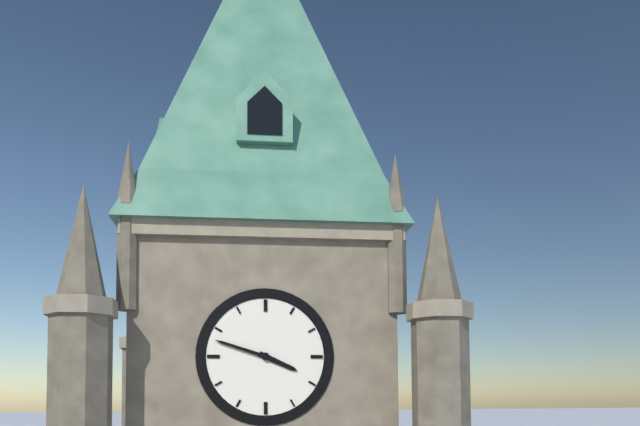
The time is **3:48**
